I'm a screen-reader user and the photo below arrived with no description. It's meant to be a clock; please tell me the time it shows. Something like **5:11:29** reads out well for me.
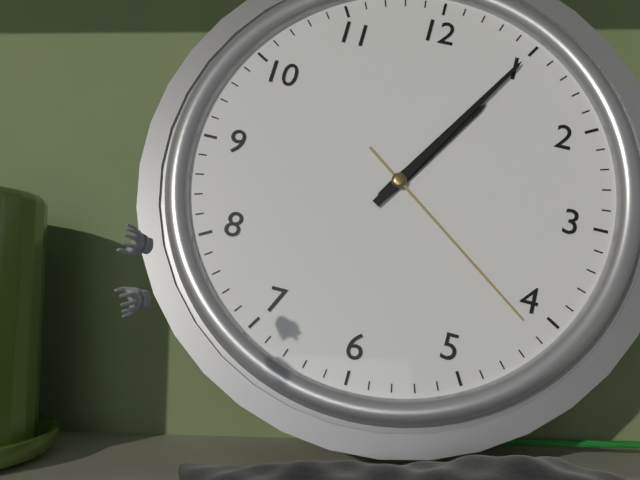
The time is **1:05:21**
